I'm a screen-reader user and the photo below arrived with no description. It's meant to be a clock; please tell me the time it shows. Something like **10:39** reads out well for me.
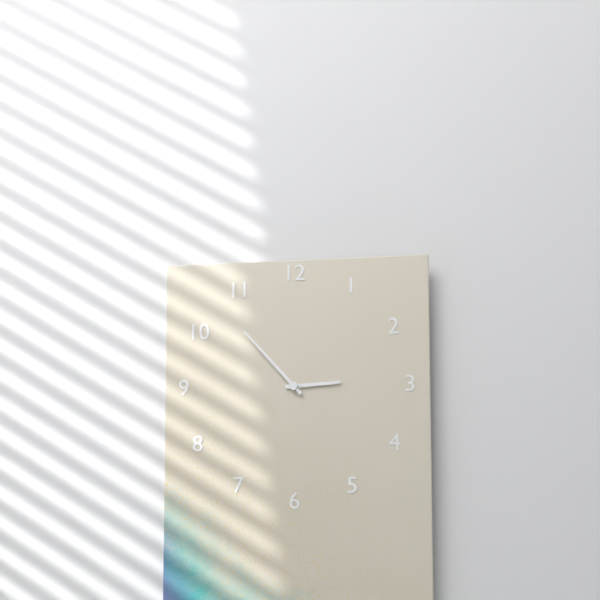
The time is **2:53**
